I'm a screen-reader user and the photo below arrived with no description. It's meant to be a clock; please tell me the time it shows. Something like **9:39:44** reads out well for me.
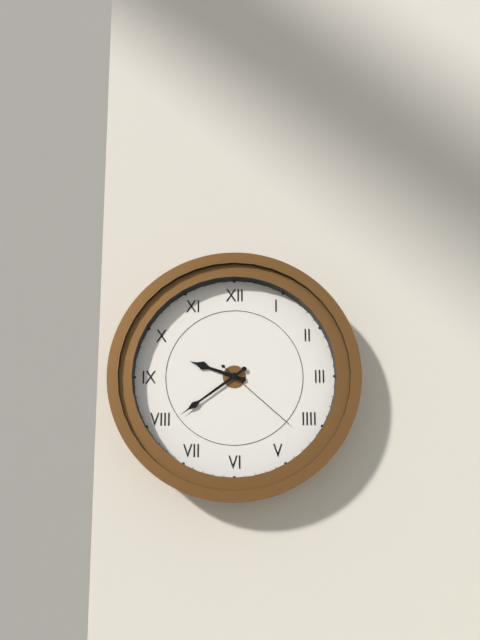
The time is **9:39:22**
